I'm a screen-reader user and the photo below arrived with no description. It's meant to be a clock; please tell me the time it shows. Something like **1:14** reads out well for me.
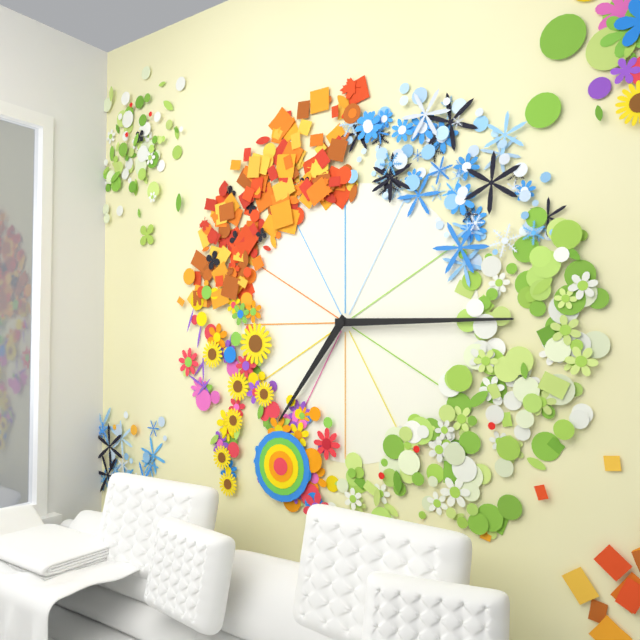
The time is **7:15**
